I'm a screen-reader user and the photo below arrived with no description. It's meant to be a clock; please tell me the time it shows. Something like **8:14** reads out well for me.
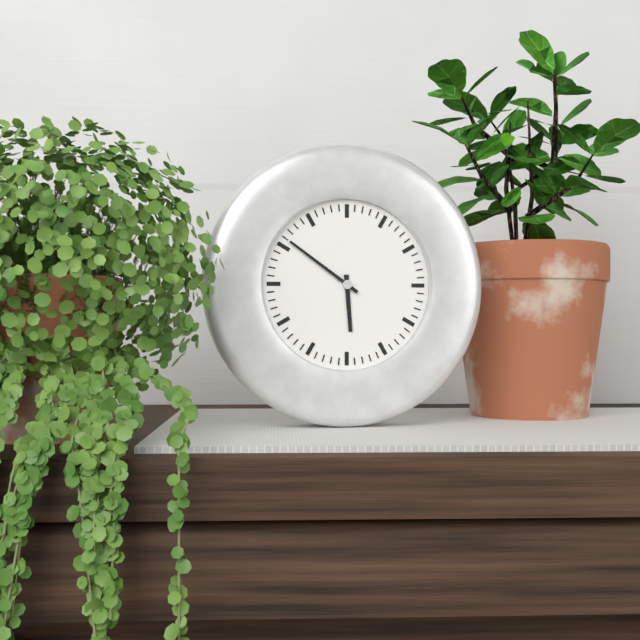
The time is **5:51**
